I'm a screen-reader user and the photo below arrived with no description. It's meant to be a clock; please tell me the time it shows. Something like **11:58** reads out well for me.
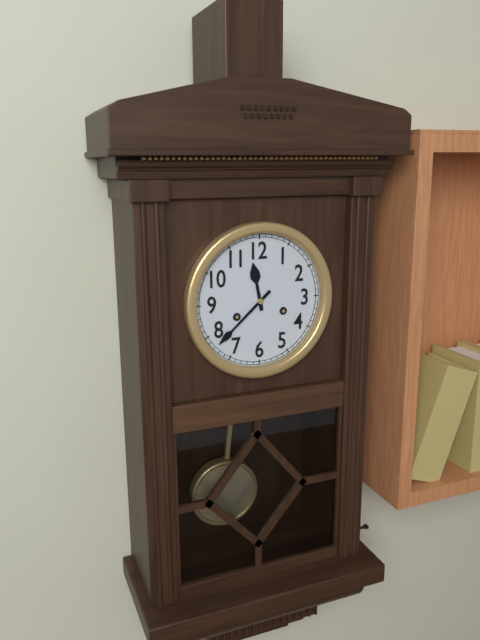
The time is **11:38**
